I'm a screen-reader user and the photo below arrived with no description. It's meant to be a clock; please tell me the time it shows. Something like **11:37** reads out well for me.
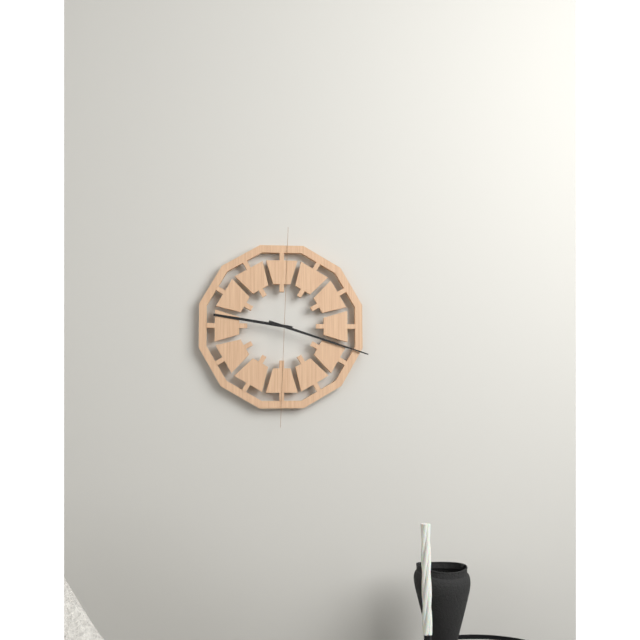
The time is **9:18**
